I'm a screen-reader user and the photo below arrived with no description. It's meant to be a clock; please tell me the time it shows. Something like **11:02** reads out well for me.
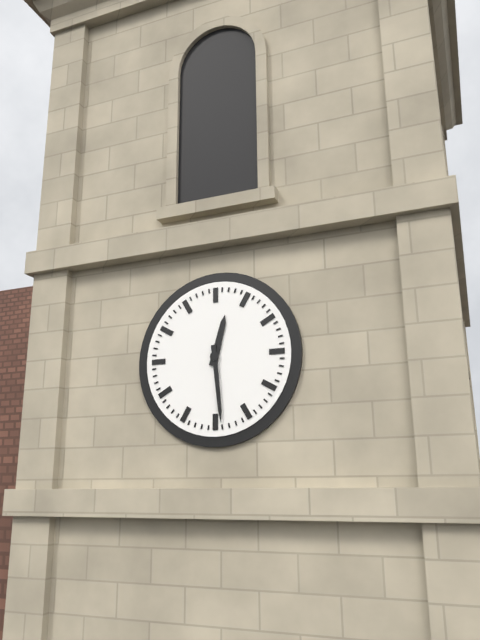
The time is **12:29**
